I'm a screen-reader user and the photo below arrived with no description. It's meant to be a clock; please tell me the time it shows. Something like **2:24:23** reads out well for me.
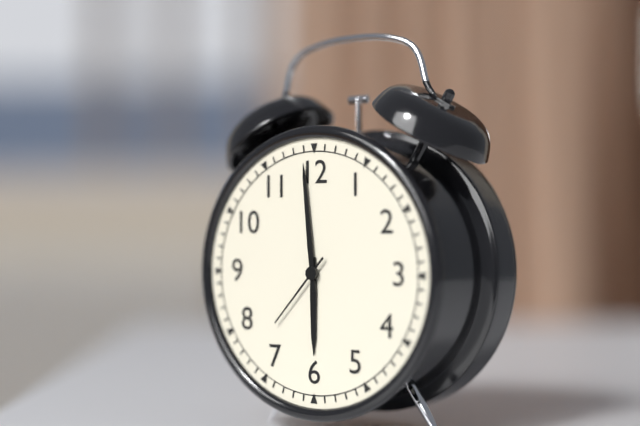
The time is **5:59:37**
